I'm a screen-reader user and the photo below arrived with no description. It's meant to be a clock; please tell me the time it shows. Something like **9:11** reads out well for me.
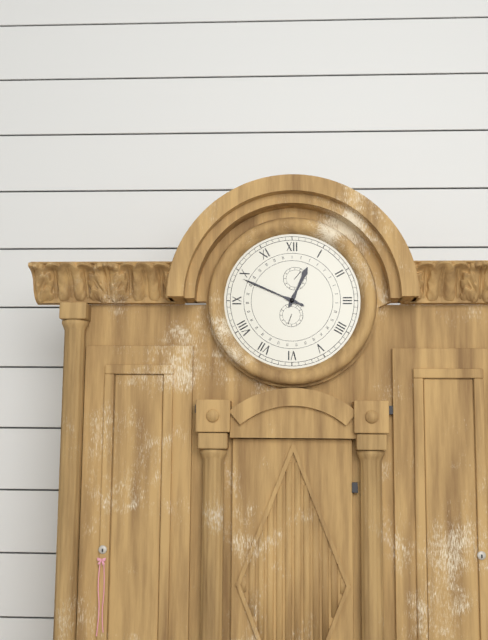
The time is **12:49**
